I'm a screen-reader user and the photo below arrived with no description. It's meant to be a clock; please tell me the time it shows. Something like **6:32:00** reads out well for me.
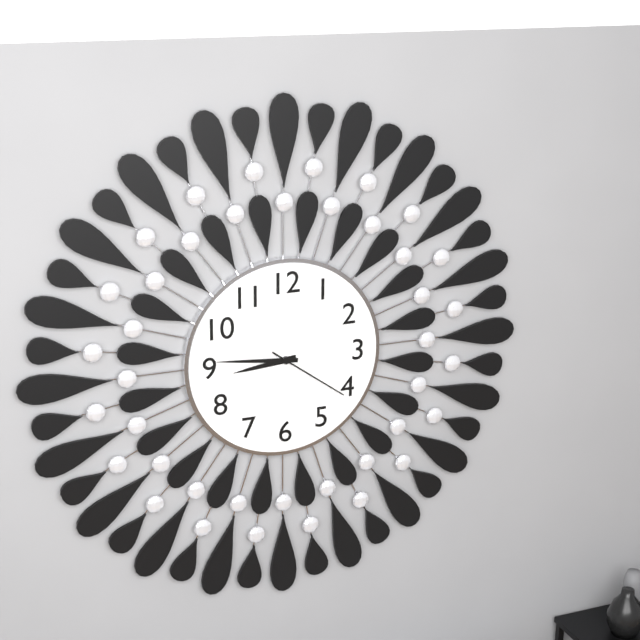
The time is **8:46:21**
